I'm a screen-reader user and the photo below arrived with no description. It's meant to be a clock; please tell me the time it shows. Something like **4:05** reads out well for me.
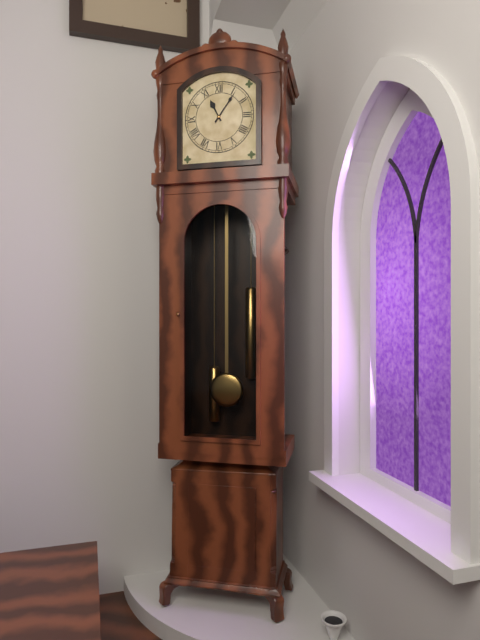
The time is **11:06**
